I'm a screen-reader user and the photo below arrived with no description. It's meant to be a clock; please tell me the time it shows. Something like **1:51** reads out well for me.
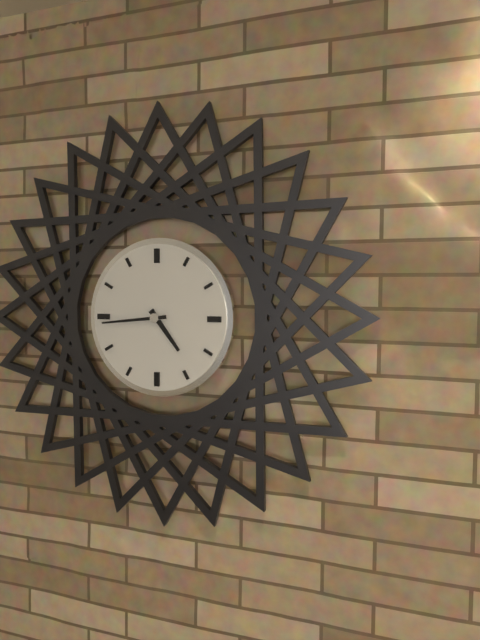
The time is **4:44**
